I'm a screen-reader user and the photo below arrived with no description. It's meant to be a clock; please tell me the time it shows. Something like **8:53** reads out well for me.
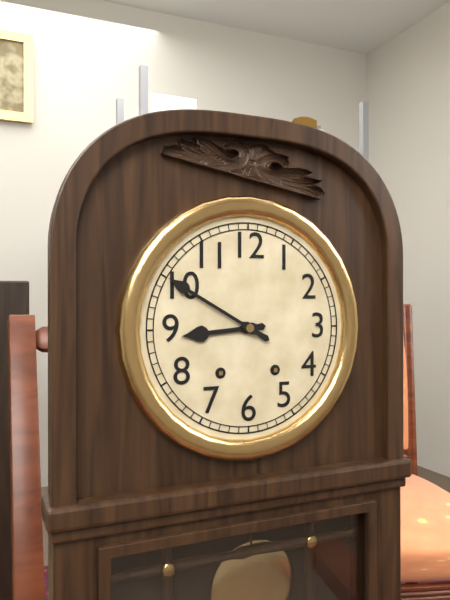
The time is **8:50**
